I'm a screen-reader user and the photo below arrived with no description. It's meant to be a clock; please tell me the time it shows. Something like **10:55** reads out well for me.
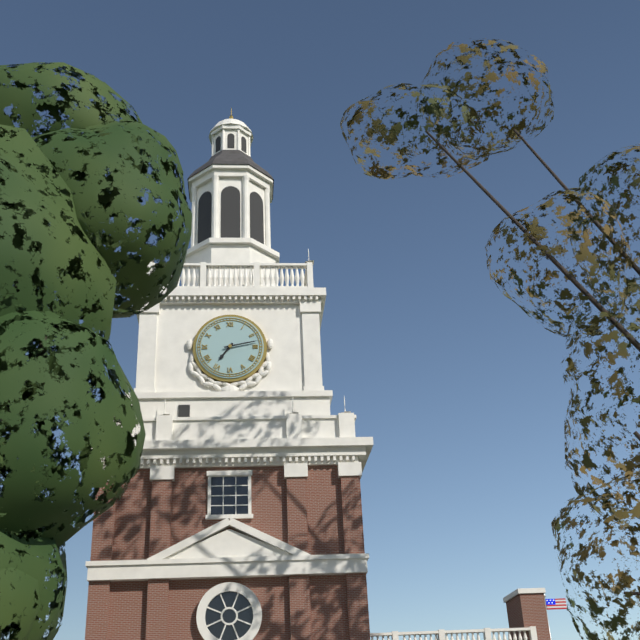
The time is **7:13**
